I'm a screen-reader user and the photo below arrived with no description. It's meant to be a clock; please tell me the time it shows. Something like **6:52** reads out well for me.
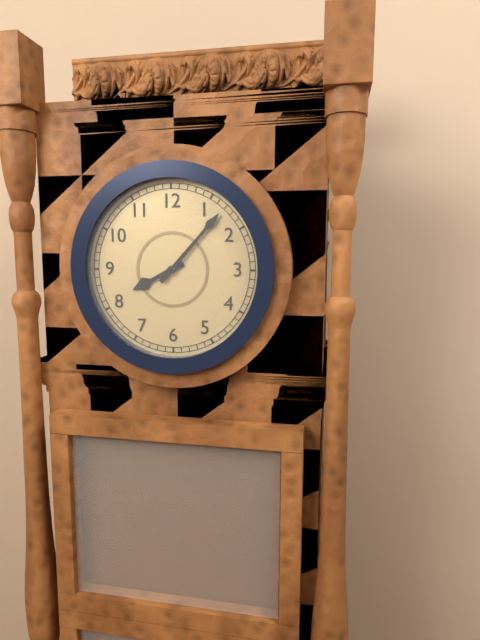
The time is **8:07**
